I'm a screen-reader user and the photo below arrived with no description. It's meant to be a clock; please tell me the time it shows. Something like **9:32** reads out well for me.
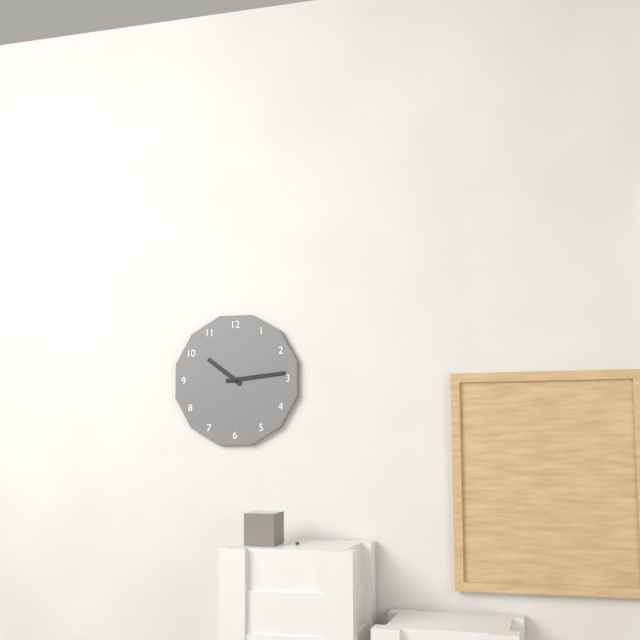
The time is **10:14**
